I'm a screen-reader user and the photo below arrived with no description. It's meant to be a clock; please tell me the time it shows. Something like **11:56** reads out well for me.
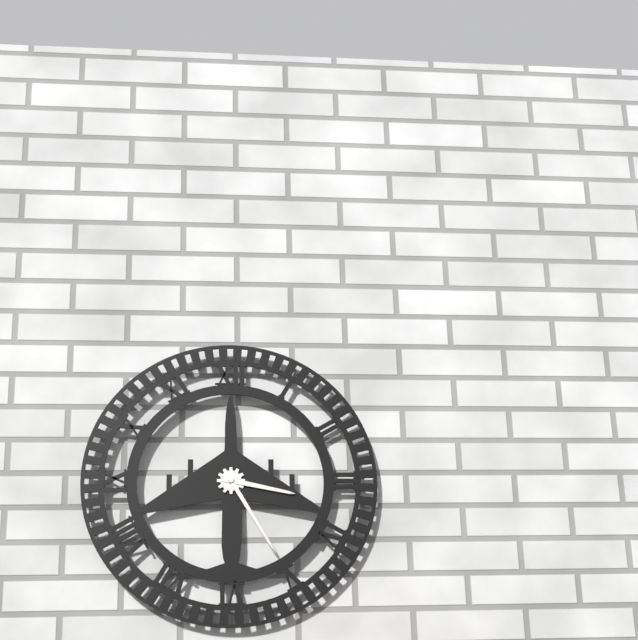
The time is **3:25**
